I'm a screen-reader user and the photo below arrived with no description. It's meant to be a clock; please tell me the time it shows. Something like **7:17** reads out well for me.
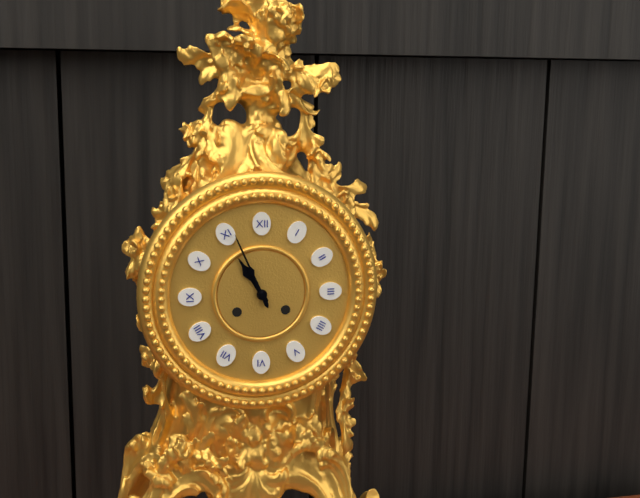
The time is **10:56**
